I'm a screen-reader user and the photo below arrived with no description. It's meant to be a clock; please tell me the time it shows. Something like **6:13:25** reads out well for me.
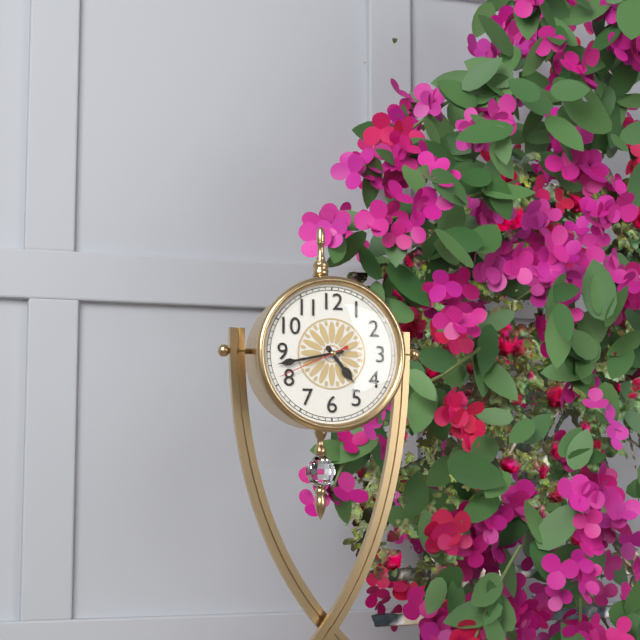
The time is **4:43:41**
